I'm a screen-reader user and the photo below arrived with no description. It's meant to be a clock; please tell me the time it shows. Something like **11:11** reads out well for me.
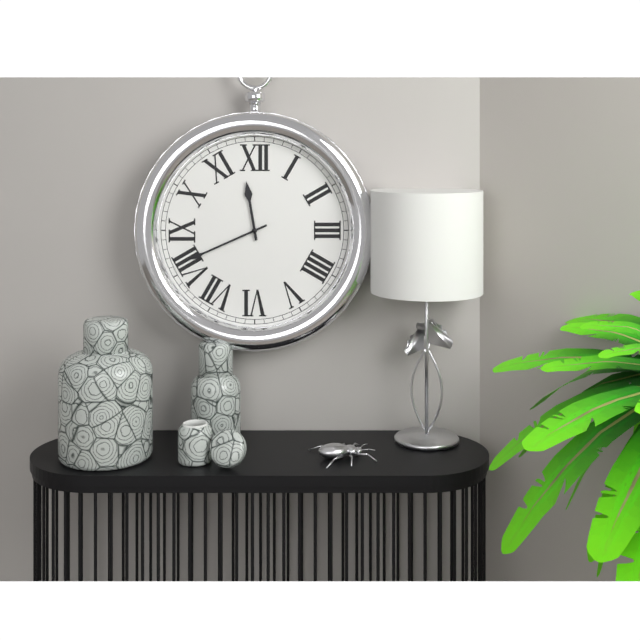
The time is **11:41**
